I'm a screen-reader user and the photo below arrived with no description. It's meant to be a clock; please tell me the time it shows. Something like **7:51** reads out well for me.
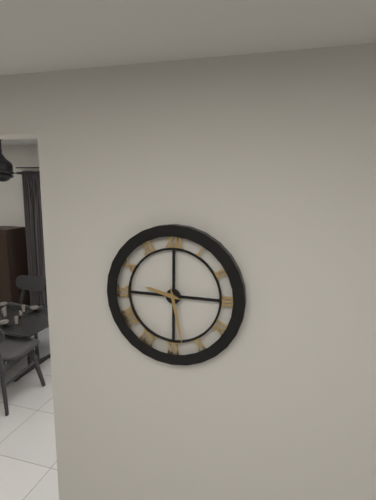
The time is **9:28**
